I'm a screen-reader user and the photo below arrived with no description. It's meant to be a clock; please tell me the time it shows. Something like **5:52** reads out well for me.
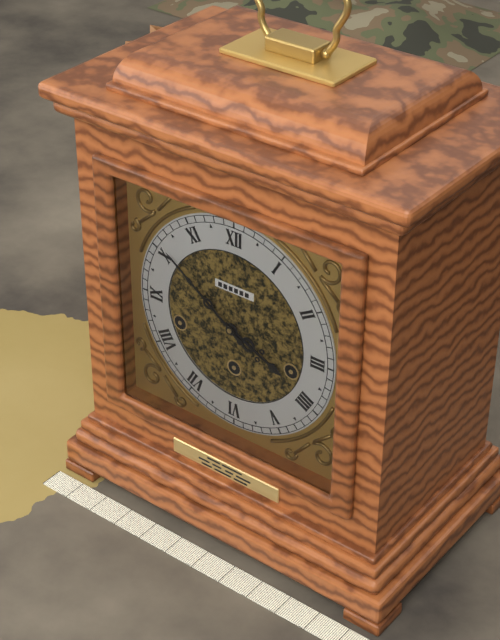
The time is **3:51**
